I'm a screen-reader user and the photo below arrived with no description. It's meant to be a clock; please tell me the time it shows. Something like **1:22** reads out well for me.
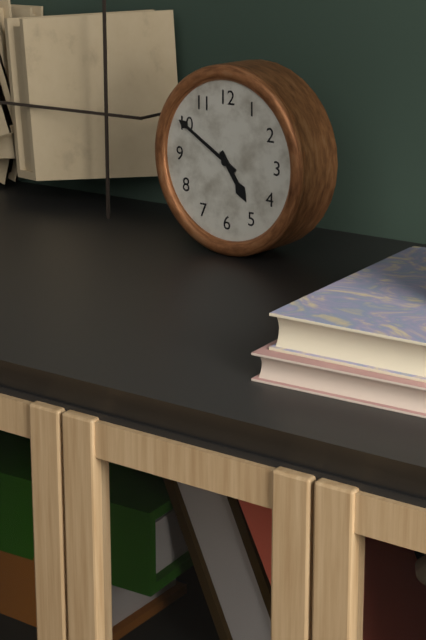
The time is **4:50**
